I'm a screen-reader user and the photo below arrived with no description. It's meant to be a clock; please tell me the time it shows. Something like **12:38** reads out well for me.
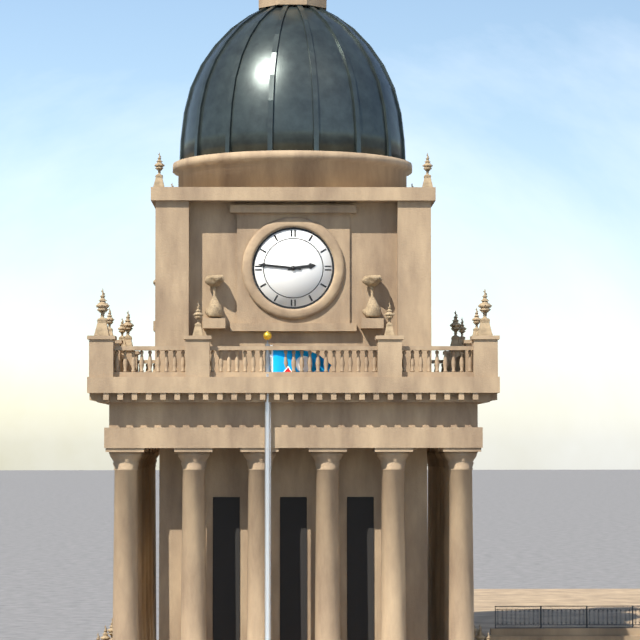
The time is **2:46**
